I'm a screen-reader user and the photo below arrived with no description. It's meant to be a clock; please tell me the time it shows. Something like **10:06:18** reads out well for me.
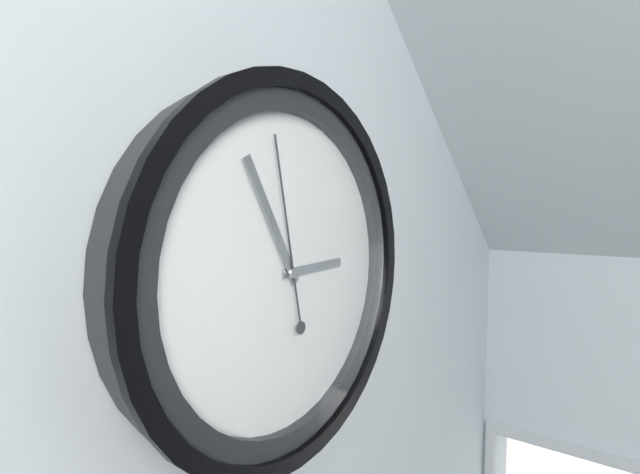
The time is **2:55:58**
